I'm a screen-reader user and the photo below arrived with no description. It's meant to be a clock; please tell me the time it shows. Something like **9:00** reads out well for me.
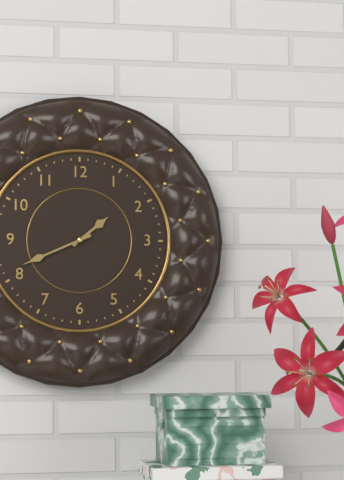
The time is **1:41**
